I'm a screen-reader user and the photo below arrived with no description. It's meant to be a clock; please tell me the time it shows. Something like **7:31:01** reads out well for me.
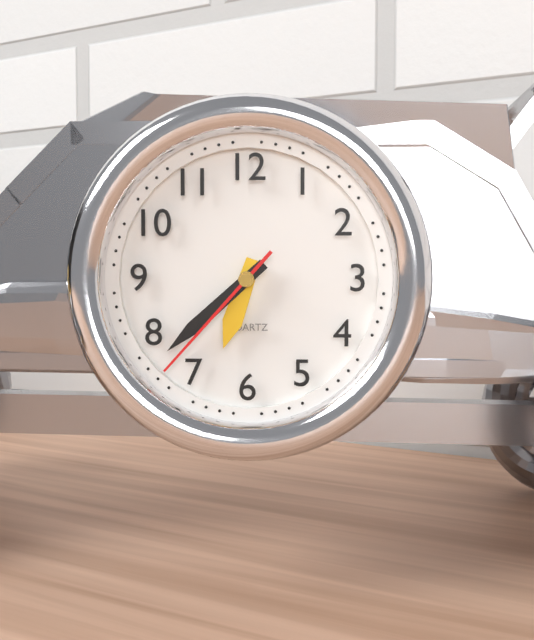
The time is **6:38:37**
